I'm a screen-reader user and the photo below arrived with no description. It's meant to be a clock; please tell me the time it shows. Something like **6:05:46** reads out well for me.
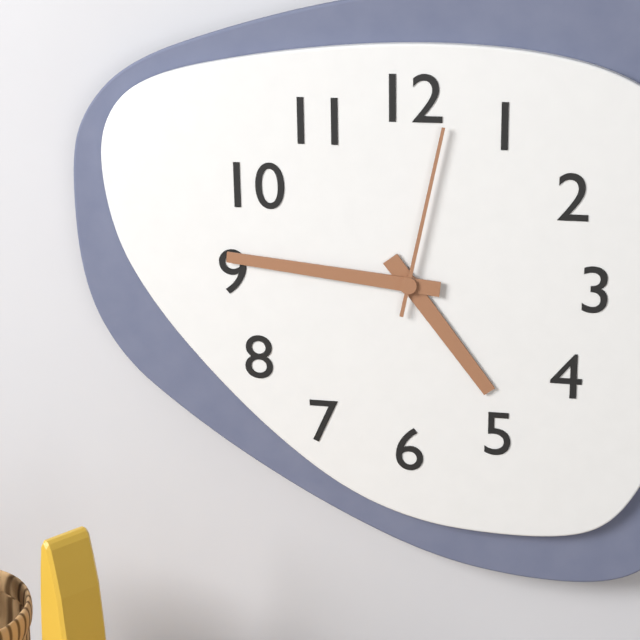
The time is **4:46:02**
